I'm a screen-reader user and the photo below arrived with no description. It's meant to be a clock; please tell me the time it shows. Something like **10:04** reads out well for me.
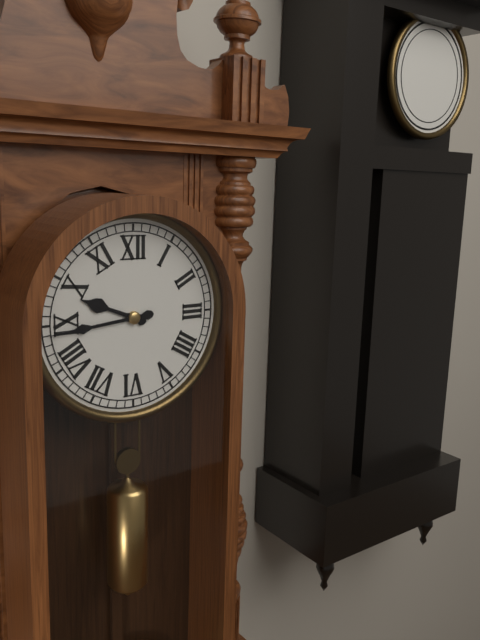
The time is **9:44**
